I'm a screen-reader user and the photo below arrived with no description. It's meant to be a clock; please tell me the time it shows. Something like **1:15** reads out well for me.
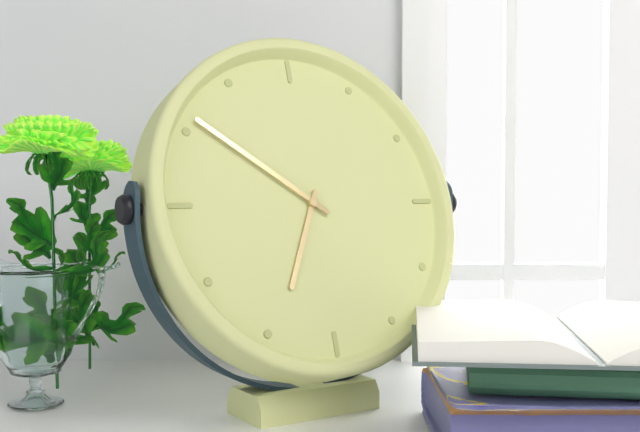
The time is **6:51**
